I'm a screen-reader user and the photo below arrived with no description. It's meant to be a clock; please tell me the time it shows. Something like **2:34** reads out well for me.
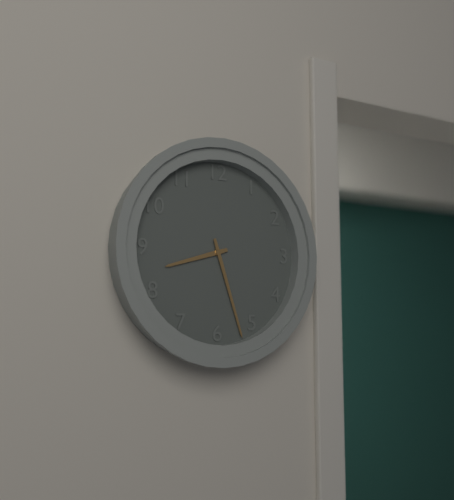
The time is **8:27**
